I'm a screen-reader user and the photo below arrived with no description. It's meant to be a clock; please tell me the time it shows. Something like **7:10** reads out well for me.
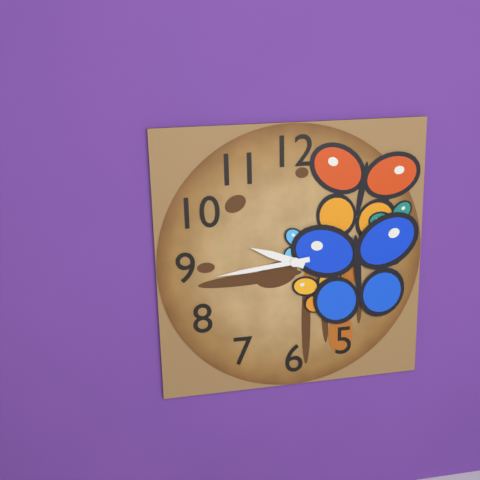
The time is **9:44**
